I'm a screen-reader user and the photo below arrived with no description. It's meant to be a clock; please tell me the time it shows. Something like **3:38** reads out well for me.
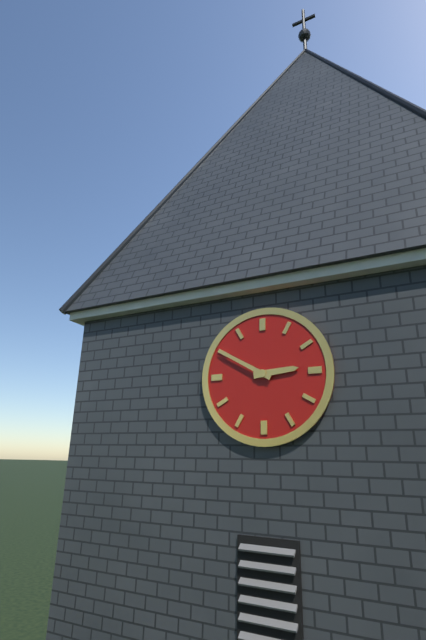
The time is **2:50**
